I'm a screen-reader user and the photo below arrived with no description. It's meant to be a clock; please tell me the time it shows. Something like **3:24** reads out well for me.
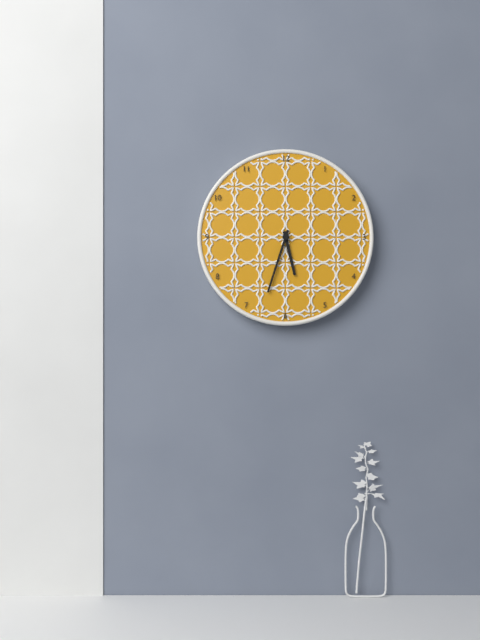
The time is **5:33**
